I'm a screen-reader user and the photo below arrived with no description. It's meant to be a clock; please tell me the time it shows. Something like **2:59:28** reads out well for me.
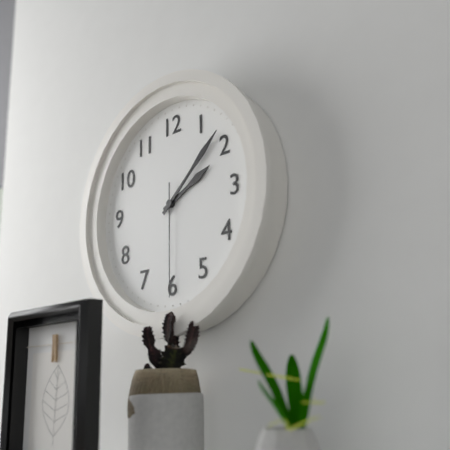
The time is **2:08:30**
